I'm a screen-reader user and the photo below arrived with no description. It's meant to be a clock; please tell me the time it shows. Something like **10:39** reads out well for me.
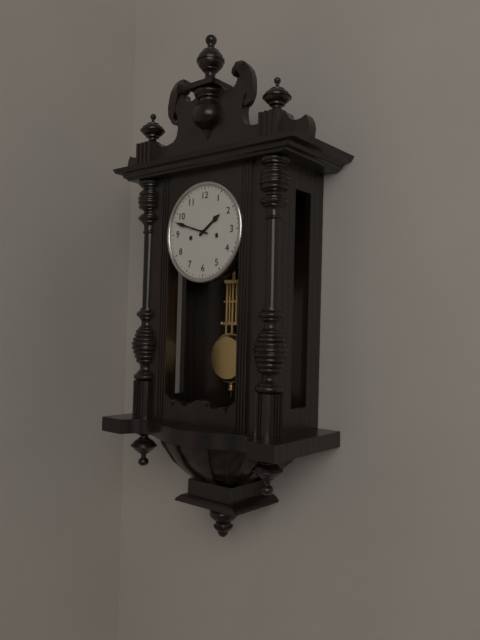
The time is **1:48**
